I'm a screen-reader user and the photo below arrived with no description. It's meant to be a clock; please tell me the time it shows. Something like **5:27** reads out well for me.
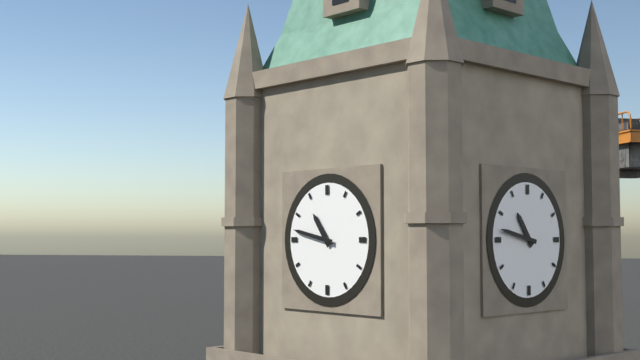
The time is **10:47**
